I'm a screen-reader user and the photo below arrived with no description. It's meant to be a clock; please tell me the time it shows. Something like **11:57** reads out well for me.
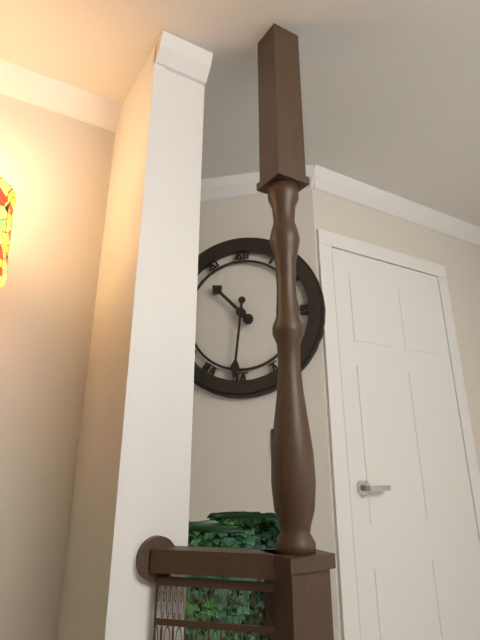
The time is **10:31**
